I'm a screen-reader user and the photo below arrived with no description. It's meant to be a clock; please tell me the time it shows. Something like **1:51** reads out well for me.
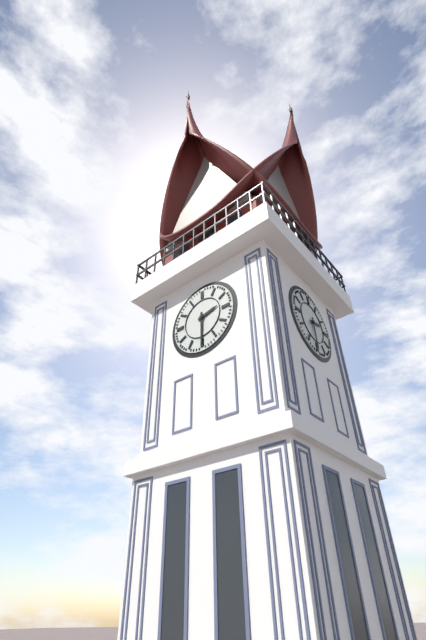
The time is **2:30**
